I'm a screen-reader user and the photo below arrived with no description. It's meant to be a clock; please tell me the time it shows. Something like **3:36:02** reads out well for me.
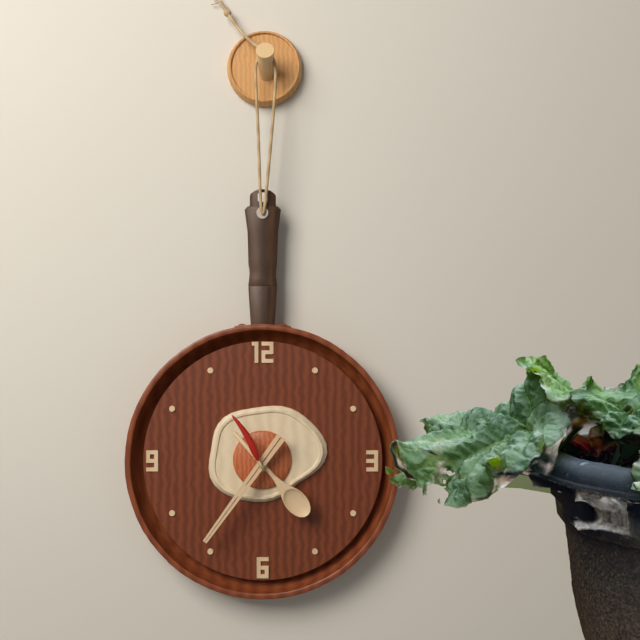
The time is **4:36:55**
